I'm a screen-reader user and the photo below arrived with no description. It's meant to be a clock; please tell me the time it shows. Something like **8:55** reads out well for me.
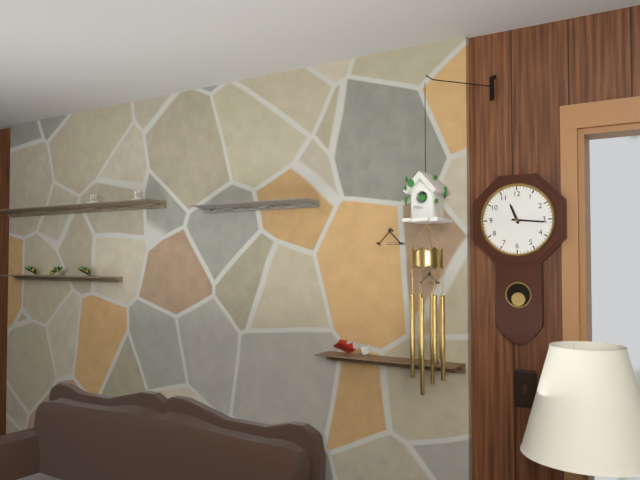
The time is **11:16**
